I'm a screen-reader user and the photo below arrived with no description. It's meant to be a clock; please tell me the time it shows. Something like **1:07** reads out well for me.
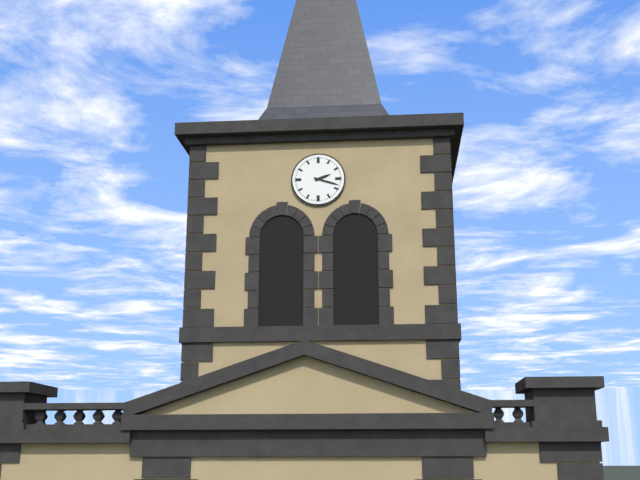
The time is **2:18**
